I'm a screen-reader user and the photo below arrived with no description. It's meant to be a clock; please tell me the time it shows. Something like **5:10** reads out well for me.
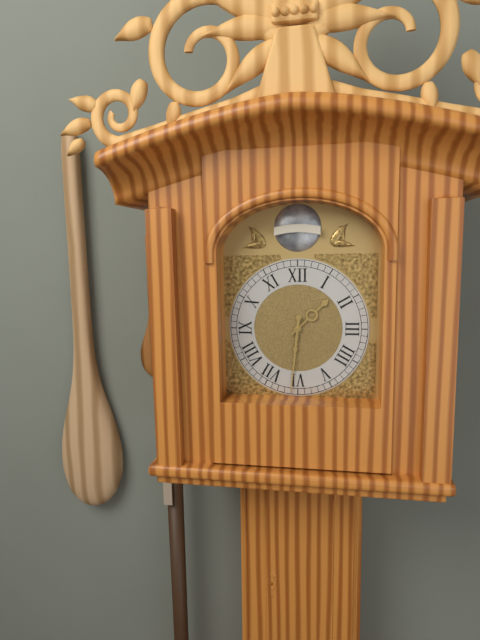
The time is **1:31**
